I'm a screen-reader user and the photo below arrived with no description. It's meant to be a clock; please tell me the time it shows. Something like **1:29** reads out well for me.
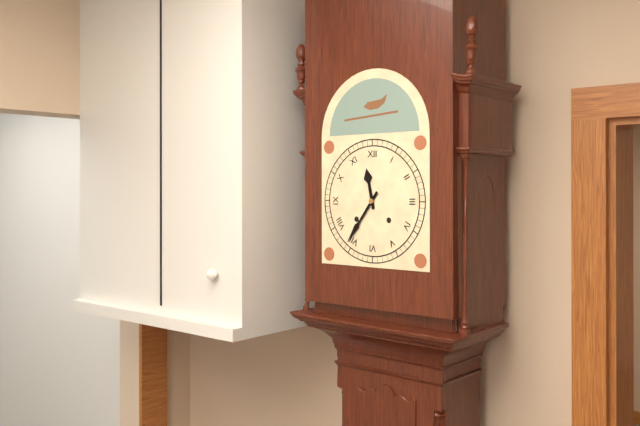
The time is **11:36**
